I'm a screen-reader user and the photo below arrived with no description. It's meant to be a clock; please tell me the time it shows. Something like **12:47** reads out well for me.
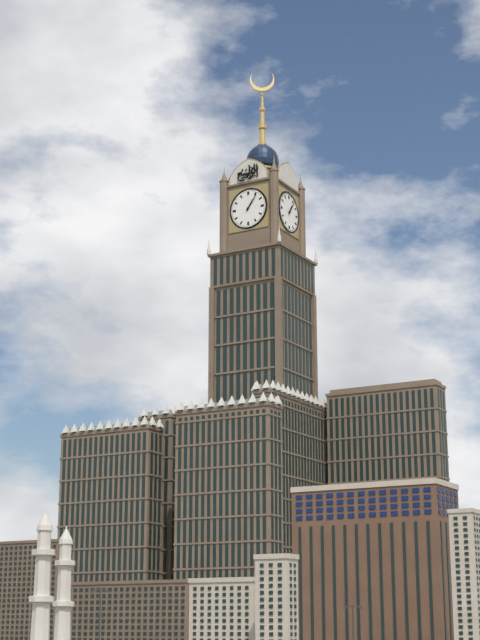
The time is **1:06**
